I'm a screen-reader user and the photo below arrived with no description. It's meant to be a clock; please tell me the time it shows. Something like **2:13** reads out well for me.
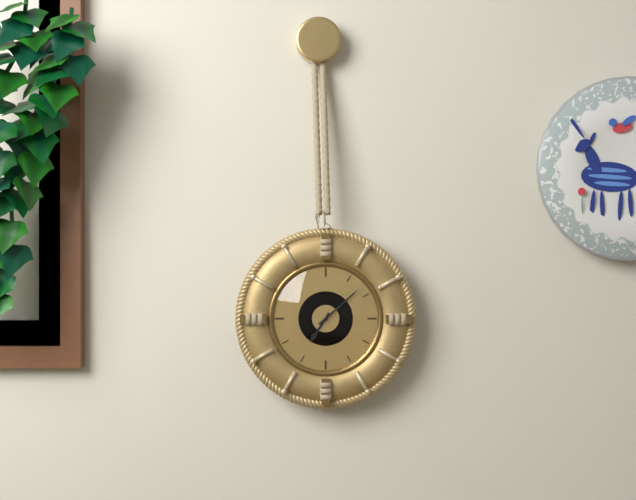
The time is **7:08**
